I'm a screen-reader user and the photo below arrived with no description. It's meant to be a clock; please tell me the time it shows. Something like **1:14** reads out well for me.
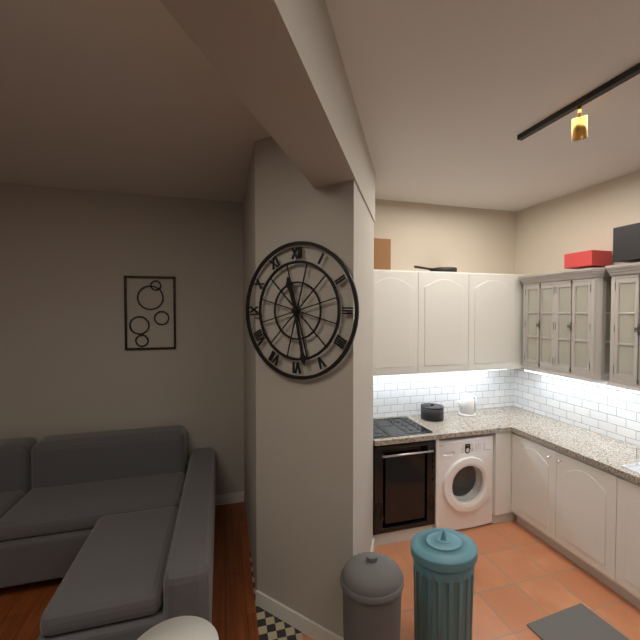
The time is **11:28**
